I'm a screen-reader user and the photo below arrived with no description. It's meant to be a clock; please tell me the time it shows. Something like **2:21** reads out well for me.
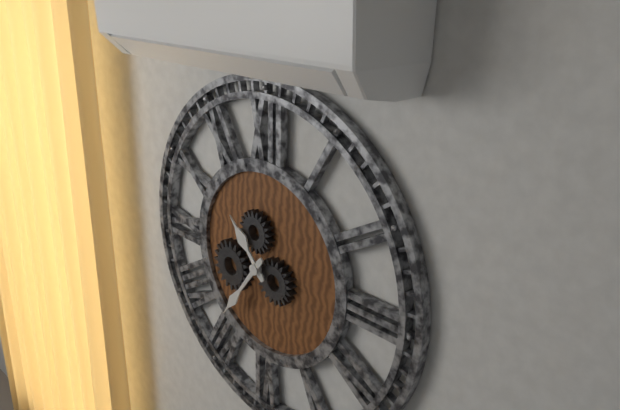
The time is **10:36**
